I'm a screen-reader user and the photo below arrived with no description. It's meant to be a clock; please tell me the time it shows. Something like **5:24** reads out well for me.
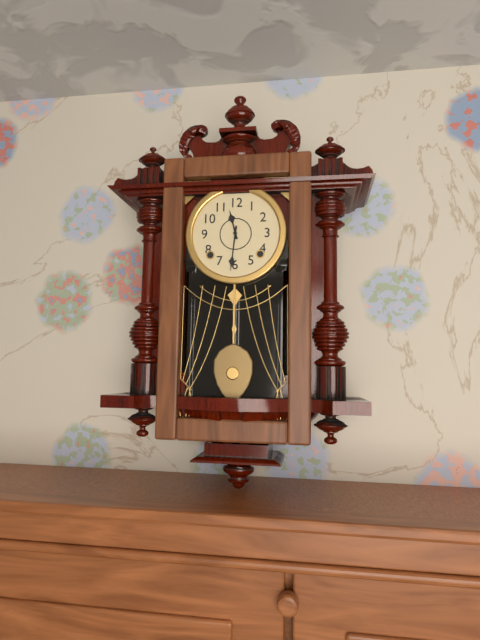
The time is **11:31**
